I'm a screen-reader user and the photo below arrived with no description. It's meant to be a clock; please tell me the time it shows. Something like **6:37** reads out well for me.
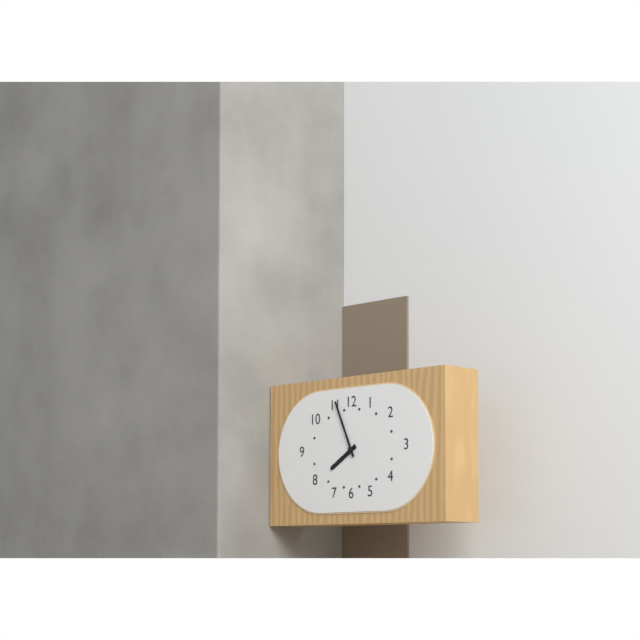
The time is **7:56**
